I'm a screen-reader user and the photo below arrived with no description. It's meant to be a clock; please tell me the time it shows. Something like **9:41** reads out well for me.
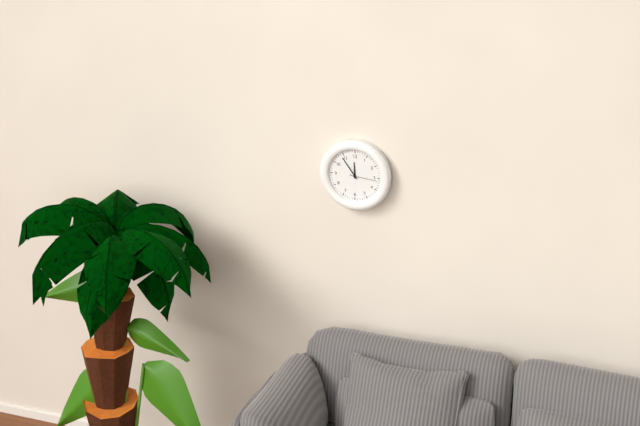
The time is **11:54**
